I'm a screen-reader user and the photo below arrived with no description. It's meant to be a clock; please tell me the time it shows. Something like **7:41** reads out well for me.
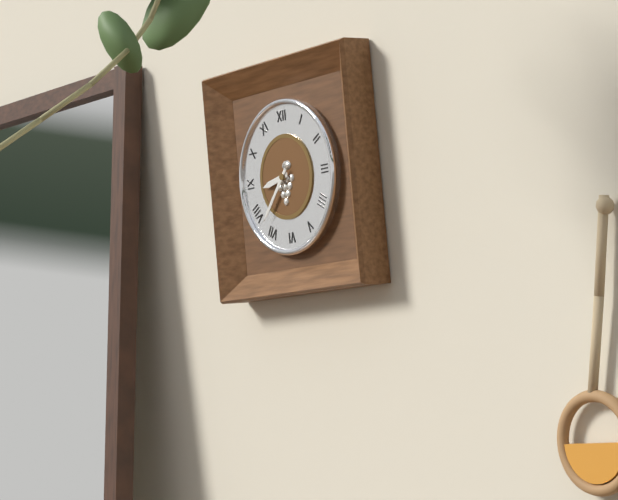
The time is **8:37**
